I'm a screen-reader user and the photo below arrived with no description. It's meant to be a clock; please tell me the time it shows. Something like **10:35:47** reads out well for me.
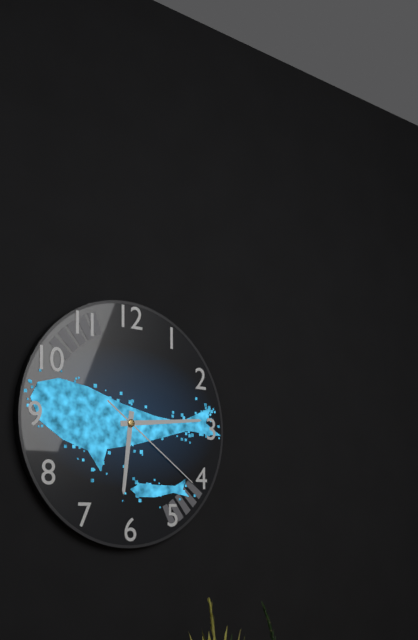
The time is **6:14:21**
